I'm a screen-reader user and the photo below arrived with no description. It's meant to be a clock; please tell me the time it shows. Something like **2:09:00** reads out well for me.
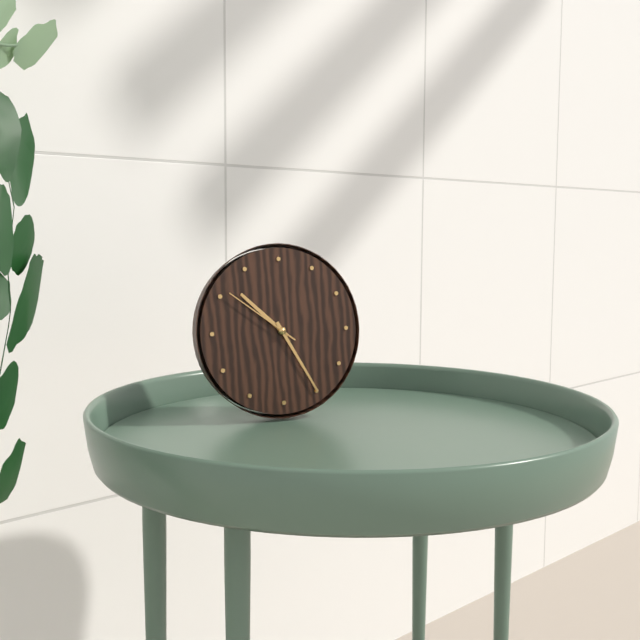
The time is **10:25:51**
